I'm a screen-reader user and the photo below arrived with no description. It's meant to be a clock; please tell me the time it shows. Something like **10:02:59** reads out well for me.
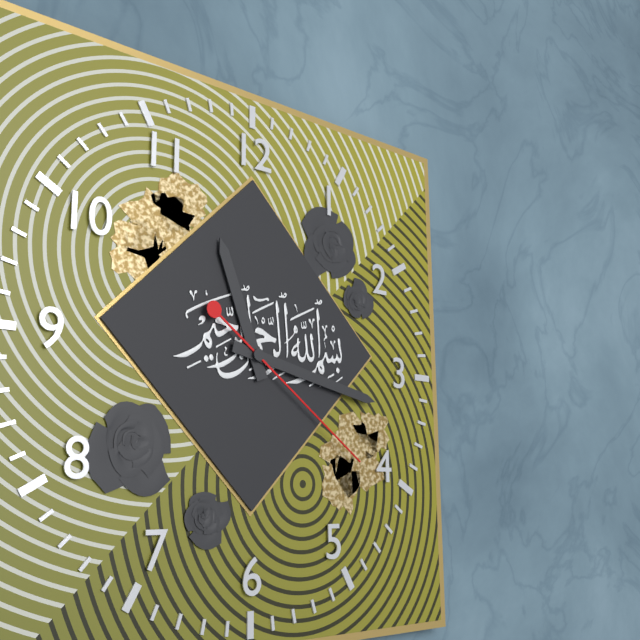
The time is **11:17:21**
